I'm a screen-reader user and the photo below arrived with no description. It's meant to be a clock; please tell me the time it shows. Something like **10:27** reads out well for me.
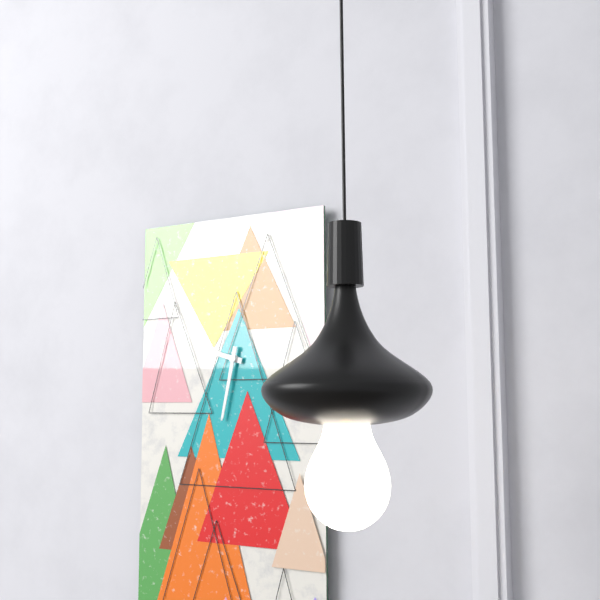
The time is **9:32**
